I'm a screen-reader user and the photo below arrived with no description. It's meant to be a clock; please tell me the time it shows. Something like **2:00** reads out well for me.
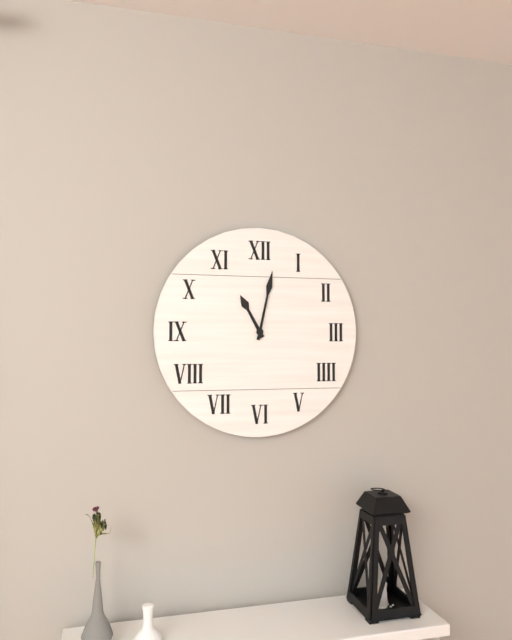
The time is **11:02**
